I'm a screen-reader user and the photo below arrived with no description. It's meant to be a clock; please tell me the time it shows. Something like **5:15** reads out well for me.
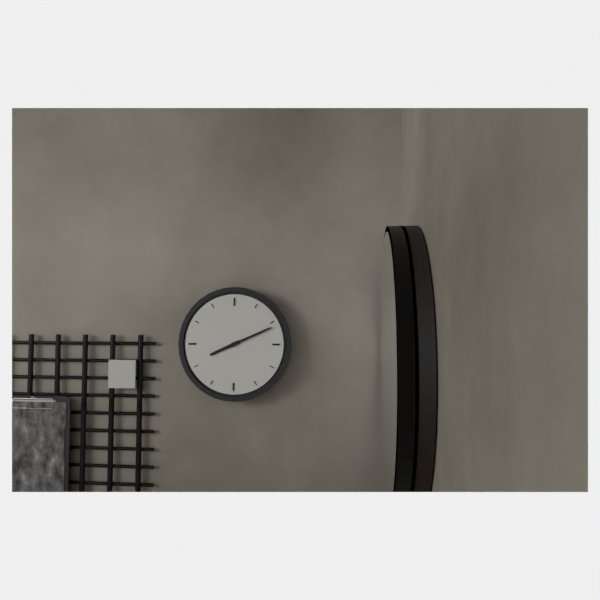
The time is **8:11**
